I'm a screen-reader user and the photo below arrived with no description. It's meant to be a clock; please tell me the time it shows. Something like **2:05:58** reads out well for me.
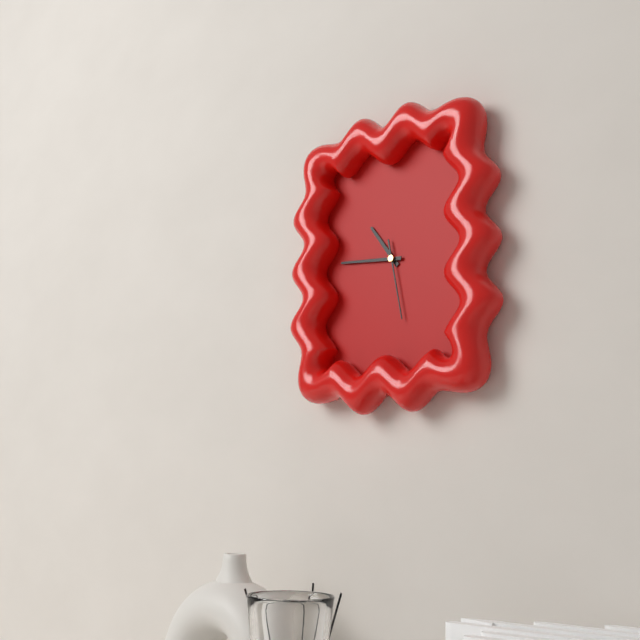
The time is **10:46:28**
